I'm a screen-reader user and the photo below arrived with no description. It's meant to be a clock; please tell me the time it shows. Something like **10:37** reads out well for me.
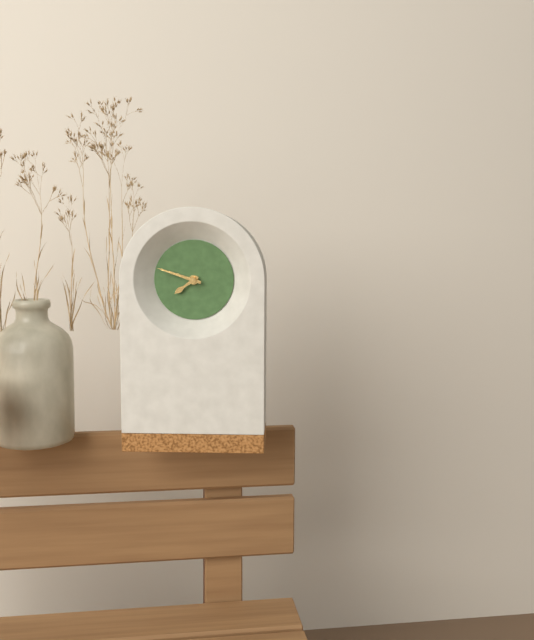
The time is **7:48**
